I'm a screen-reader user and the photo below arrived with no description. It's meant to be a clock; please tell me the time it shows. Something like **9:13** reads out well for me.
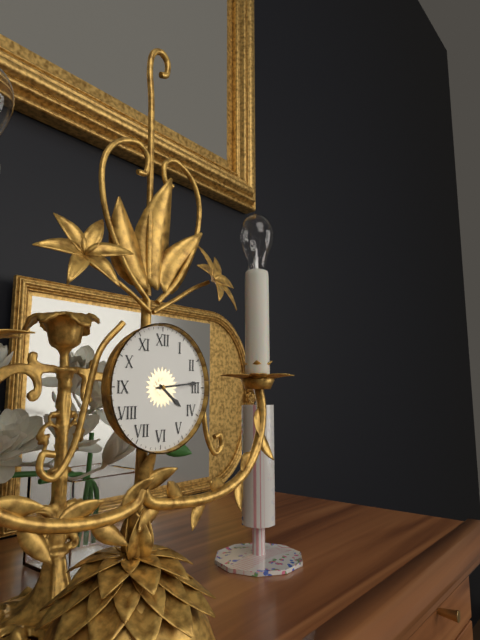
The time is **4:14**
